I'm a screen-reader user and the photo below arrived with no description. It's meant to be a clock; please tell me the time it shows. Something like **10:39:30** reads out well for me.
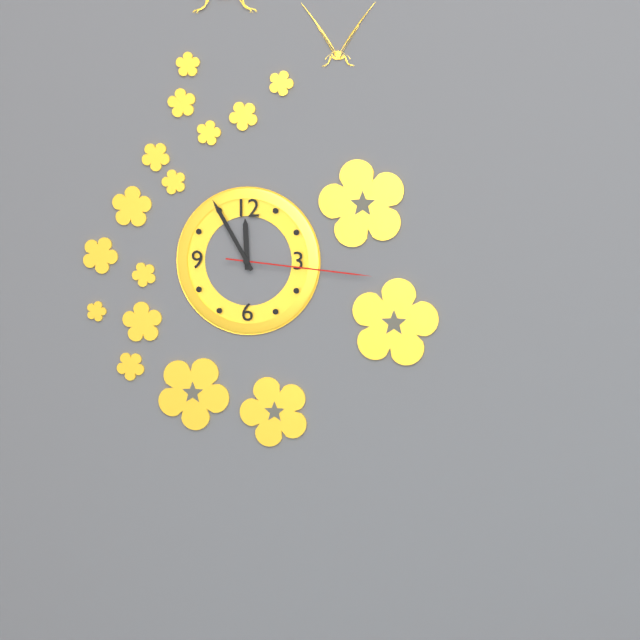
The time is **11:55:16**
